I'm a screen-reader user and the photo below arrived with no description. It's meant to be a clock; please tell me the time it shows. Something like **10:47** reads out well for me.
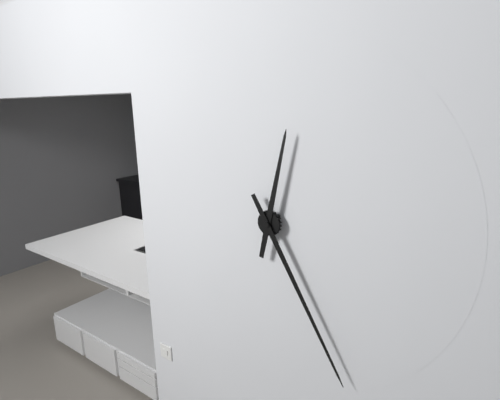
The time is **12:25**
